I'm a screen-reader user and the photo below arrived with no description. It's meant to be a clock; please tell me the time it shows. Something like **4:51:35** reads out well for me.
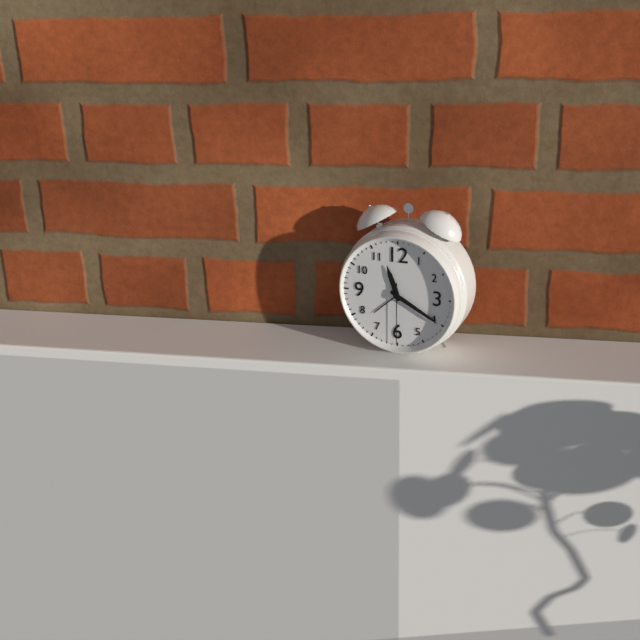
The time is **11:20:30**
